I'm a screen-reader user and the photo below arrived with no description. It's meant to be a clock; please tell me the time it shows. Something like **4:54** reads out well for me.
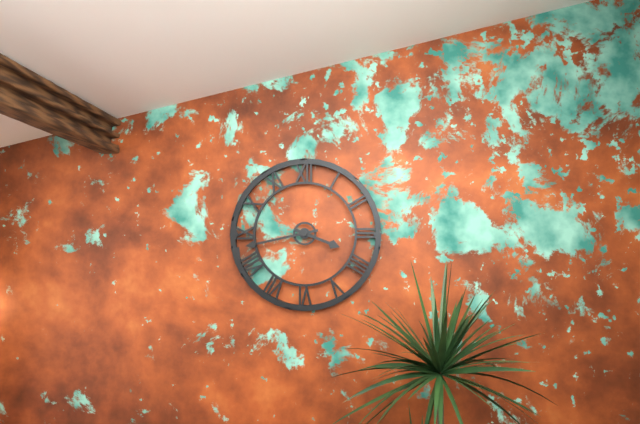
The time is **3:43**
